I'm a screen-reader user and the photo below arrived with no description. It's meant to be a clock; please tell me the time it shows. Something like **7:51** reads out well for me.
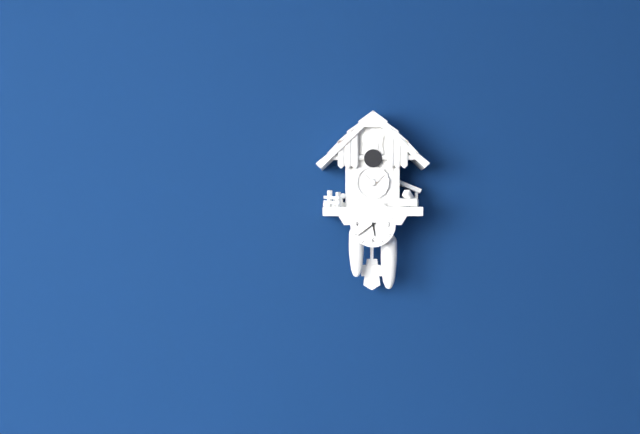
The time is **5:39**
